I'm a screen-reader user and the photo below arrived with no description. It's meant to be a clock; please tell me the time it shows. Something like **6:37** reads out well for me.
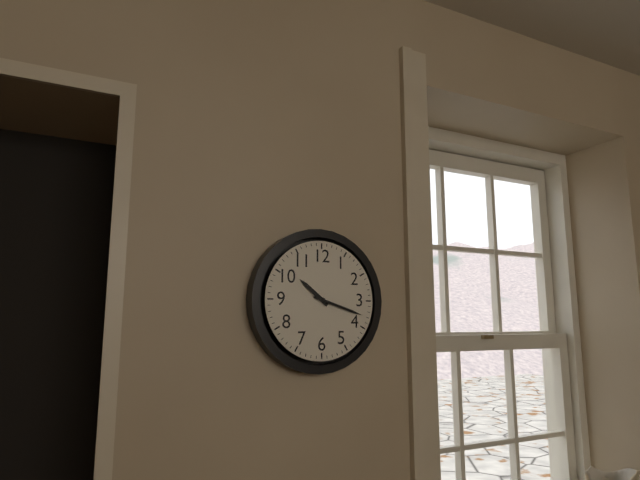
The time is **10:18**
